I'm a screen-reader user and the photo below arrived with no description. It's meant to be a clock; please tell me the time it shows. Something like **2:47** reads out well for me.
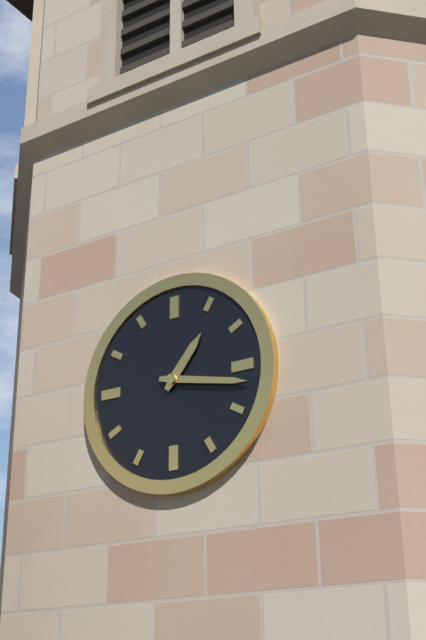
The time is **1:17**
